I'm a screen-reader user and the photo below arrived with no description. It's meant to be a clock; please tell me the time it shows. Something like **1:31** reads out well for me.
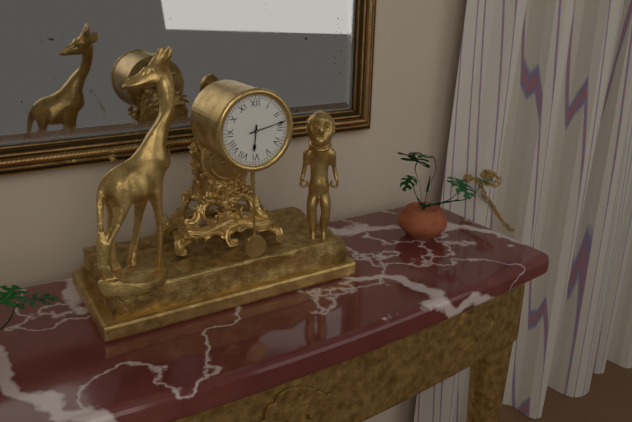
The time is **6:13**
